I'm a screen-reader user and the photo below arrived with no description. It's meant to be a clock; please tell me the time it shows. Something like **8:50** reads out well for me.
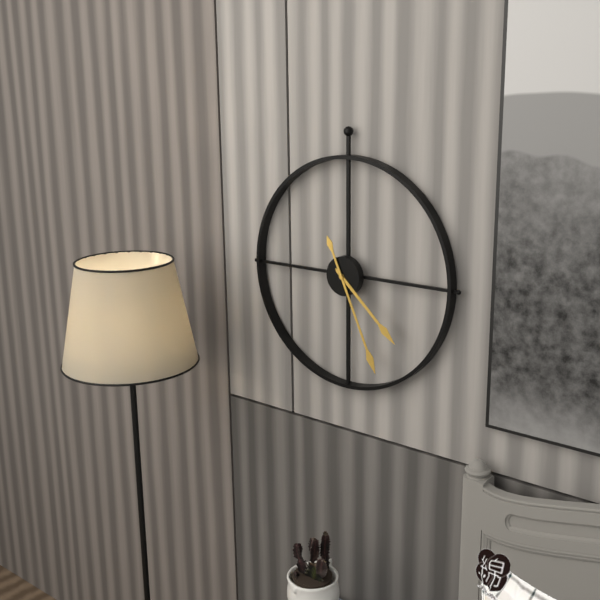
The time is **4:26**
